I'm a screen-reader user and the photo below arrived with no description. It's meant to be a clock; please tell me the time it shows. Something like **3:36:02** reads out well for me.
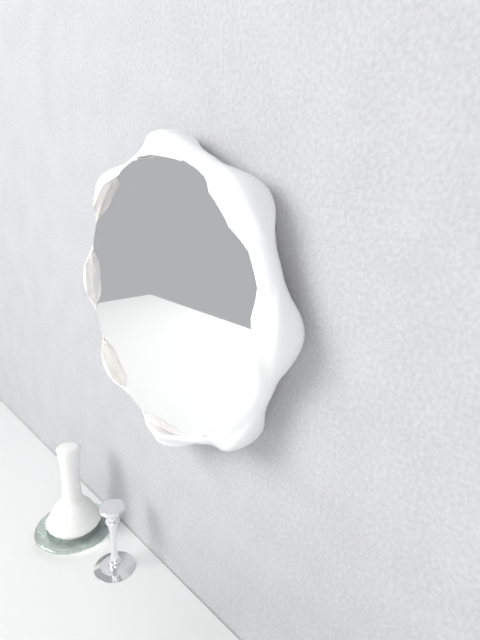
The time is **7:26:23**
